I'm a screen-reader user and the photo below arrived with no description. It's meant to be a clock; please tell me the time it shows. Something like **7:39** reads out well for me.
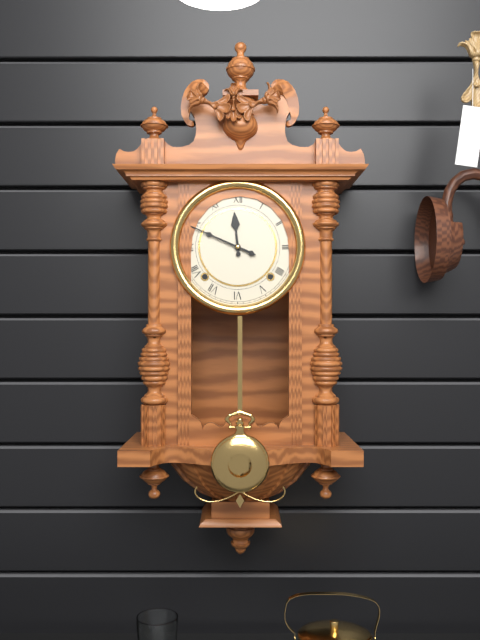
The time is **11:49**
